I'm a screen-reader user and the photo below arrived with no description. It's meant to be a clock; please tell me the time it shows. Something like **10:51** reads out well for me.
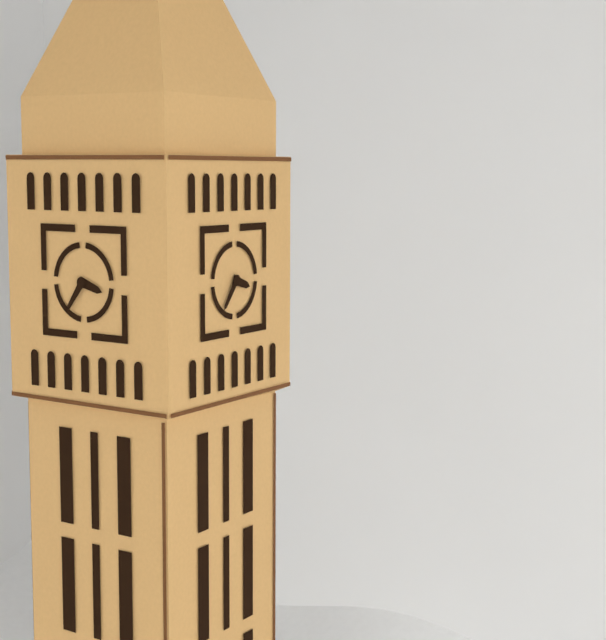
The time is **3:36**
